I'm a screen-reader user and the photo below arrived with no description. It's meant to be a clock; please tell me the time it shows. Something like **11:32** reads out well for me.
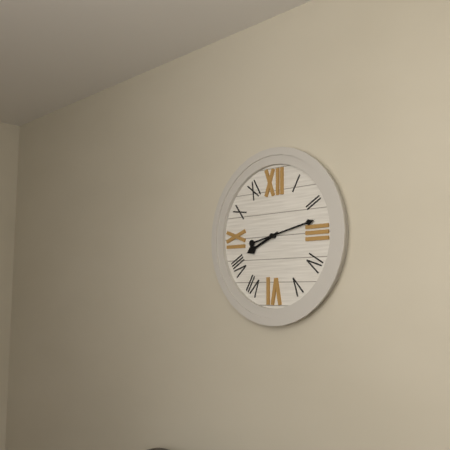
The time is **8:13**
